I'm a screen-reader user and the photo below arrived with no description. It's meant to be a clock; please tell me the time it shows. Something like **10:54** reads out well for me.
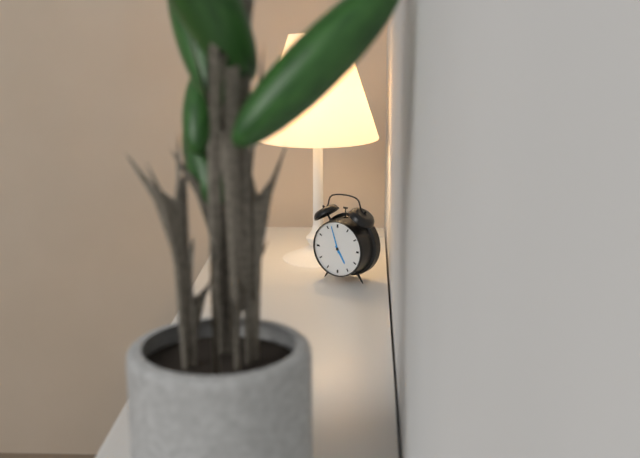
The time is **4:57**
